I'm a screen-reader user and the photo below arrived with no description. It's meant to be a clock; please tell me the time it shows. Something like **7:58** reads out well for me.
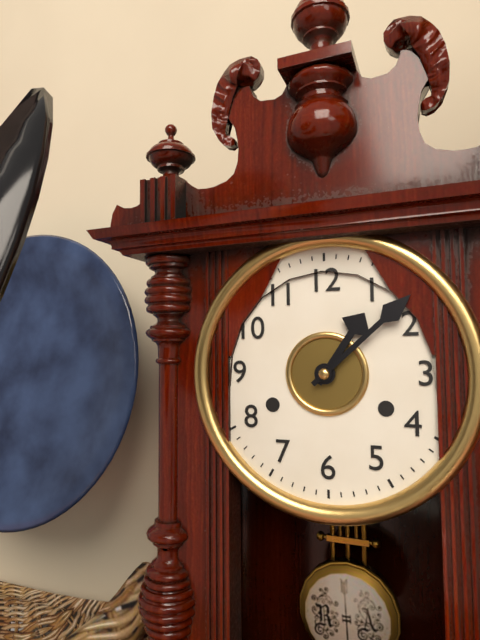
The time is **1:08**
